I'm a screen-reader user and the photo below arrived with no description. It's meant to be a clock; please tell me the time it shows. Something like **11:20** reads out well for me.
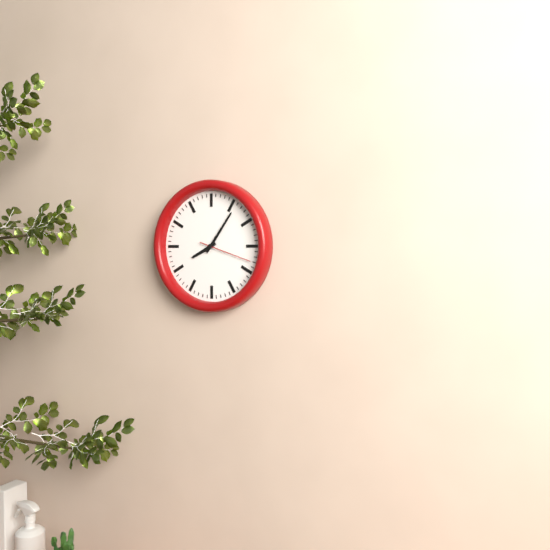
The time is **8:06**
